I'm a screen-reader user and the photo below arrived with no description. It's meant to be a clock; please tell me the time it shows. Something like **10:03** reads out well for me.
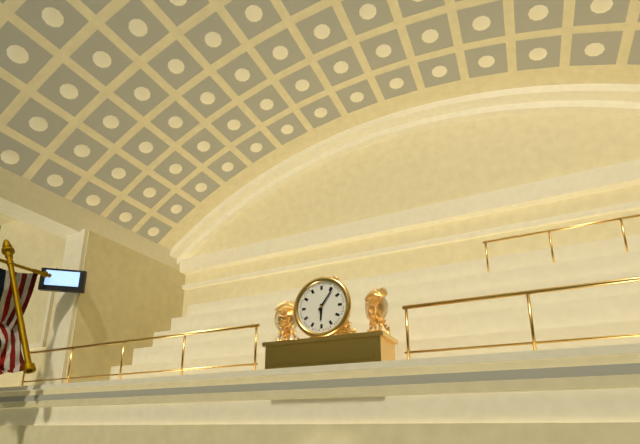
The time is **6:06**
